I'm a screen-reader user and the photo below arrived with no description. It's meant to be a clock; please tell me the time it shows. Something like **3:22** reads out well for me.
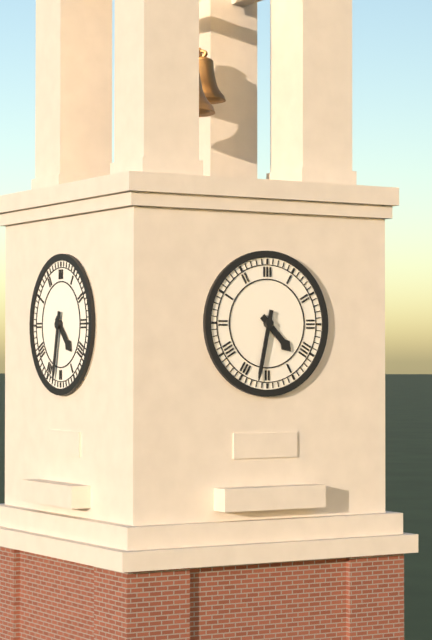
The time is **4:32**
